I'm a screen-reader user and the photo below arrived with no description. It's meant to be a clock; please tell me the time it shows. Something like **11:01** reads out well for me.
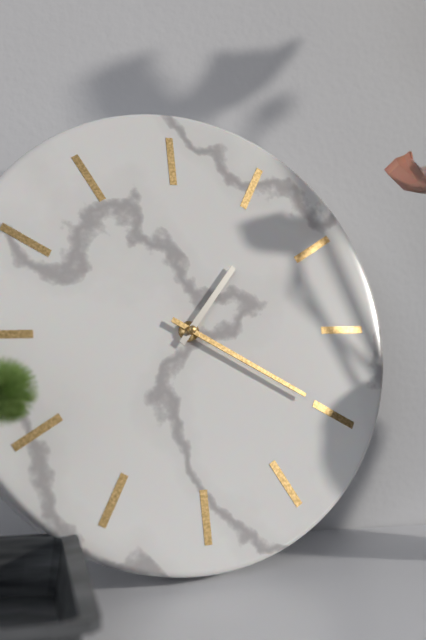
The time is **1:20**
